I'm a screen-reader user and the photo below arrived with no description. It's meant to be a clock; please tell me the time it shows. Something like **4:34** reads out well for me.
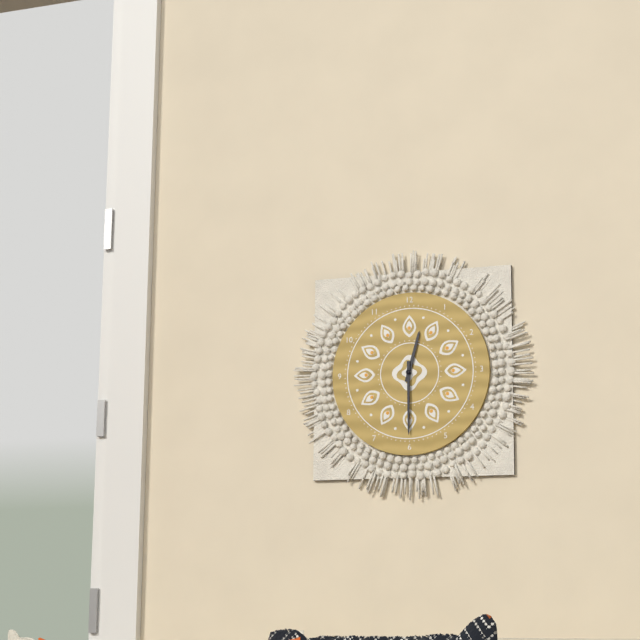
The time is **12:30**
